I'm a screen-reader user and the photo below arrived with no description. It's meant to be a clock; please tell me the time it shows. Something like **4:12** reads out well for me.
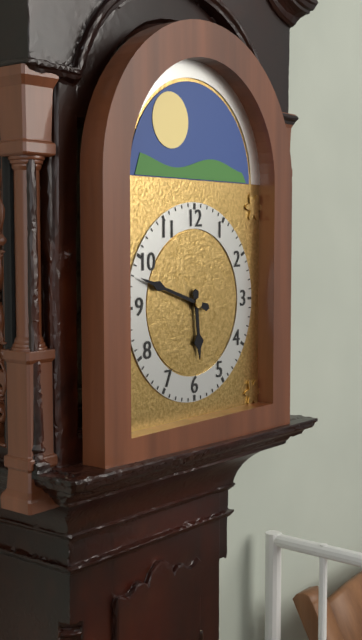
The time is **5:48**
